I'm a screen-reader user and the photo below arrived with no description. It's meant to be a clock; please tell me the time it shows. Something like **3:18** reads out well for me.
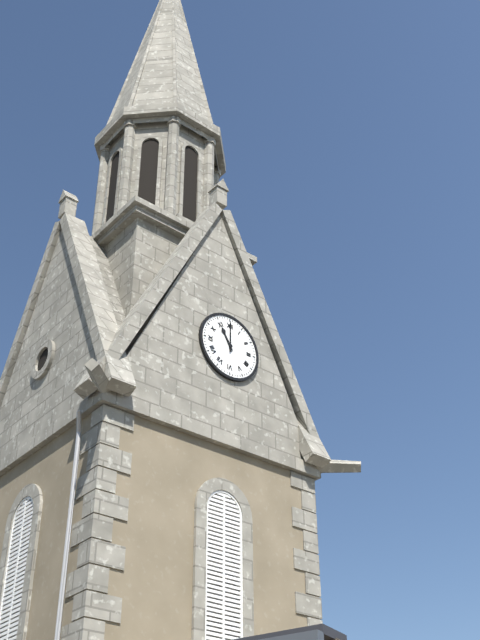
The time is **11:00**
